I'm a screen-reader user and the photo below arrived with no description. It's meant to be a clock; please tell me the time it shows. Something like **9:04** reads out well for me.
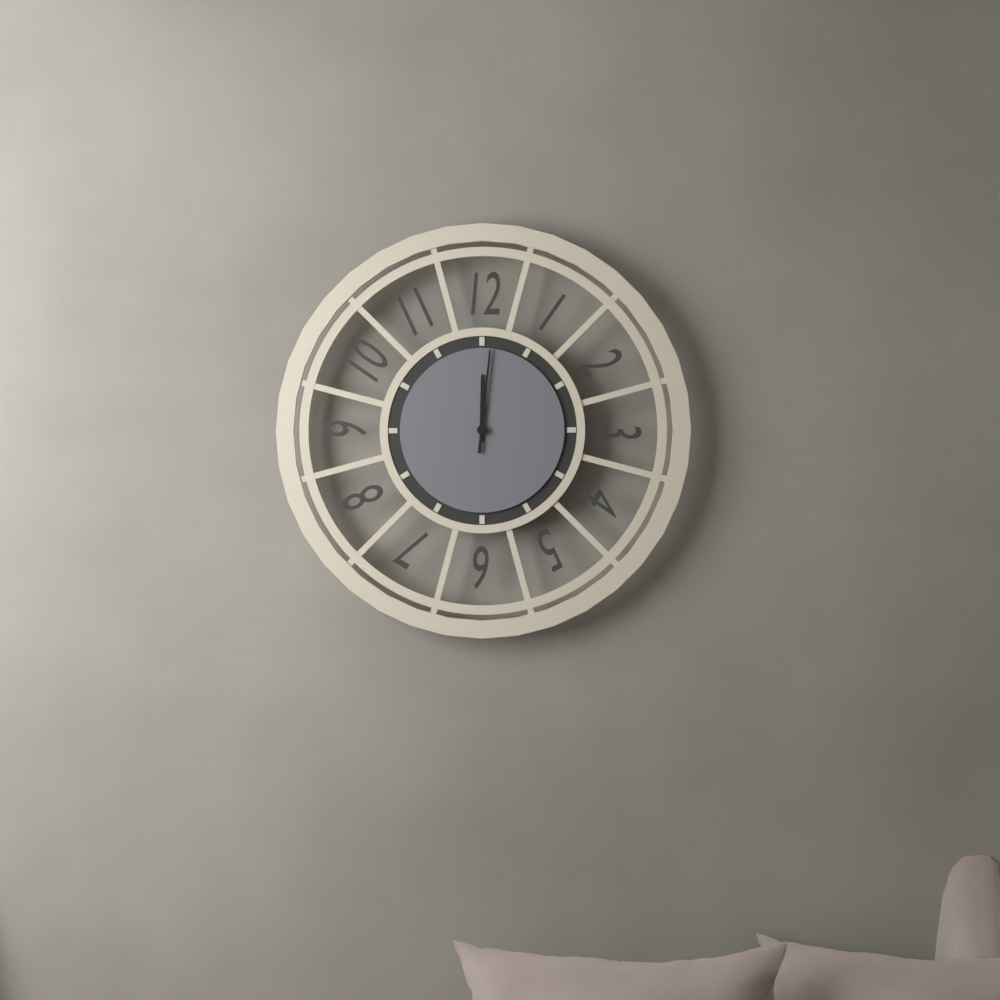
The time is **12:01**
